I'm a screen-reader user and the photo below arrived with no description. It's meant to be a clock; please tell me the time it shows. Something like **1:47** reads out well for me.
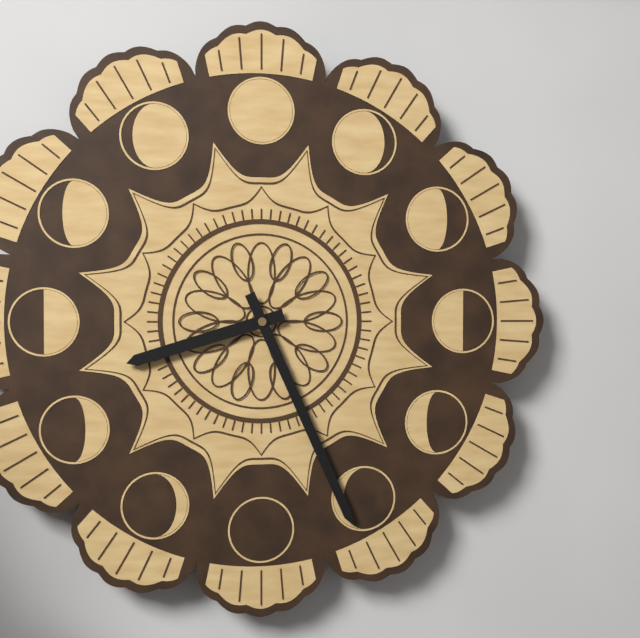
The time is **8:26**
